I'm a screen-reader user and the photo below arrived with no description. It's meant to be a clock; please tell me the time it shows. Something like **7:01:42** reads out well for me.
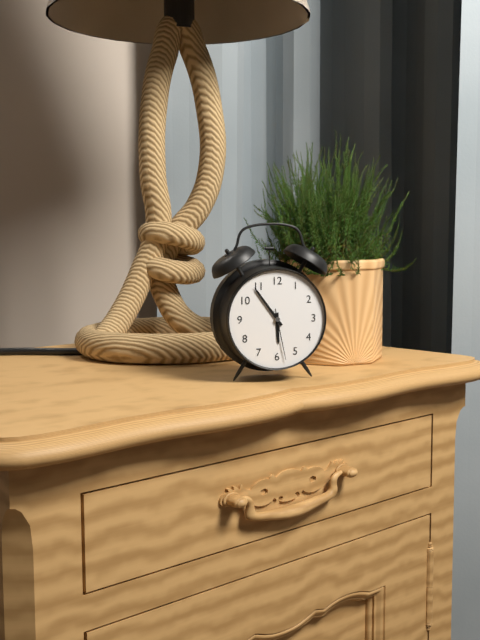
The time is **5:54:28**
